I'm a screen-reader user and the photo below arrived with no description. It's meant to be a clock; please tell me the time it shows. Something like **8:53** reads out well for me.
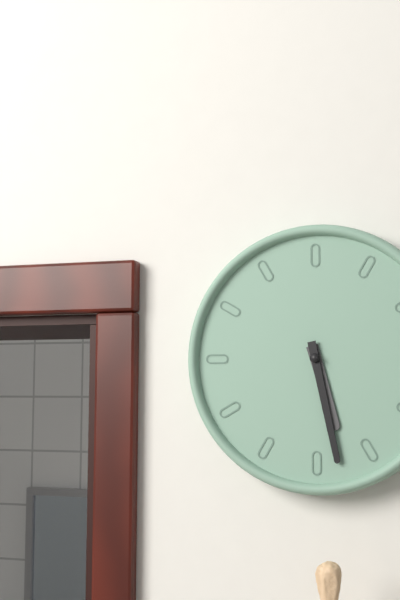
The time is **5:28**
